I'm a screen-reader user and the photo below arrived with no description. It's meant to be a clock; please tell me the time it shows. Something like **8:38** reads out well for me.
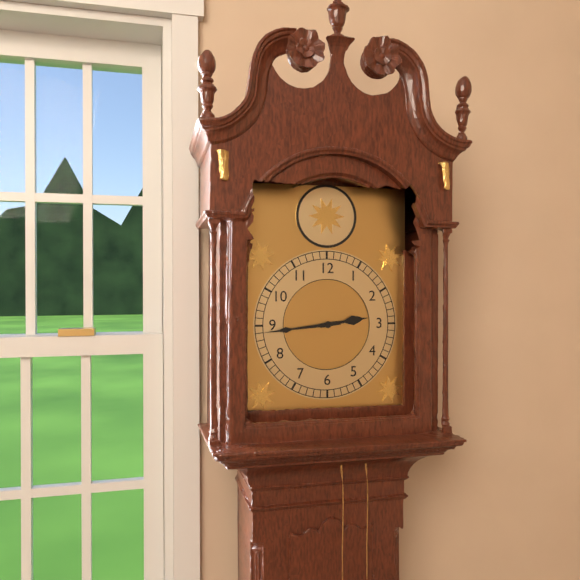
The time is **2:44**
